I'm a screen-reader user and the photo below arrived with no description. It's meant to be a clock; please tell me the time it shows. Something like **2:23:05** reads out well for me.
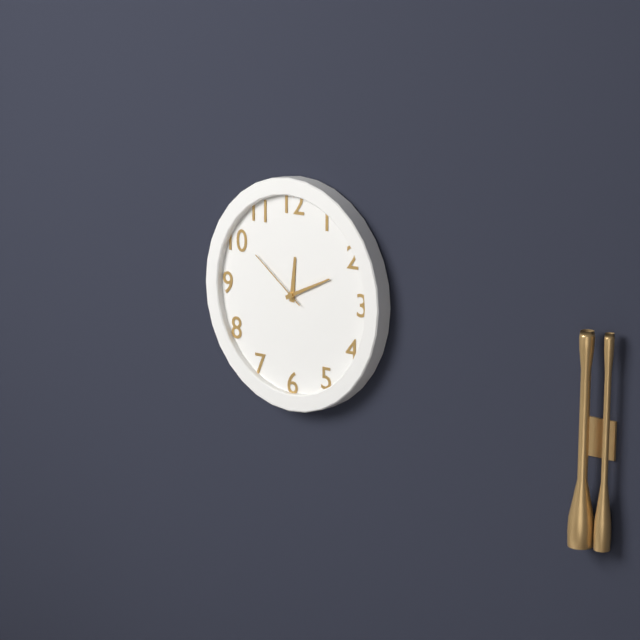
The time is **12:11:51**
